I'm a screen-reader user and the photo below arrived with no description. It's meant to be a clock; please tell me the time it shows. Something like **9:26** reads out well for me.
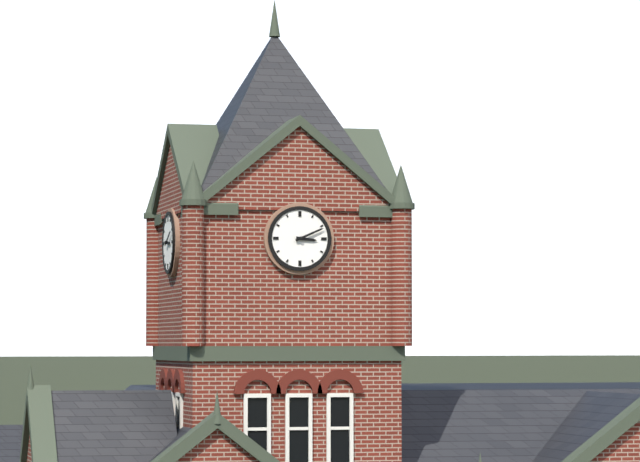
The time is **3:11**
